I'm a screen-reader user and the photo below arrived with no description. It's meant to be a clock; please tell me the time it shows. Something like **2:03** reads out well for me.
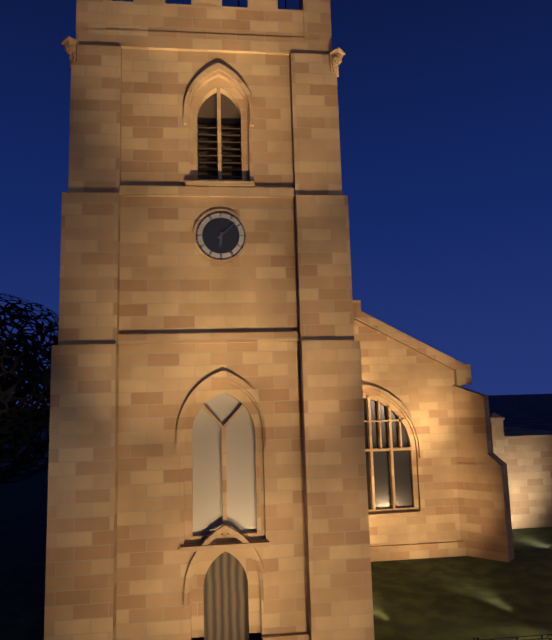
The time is **6:08**
